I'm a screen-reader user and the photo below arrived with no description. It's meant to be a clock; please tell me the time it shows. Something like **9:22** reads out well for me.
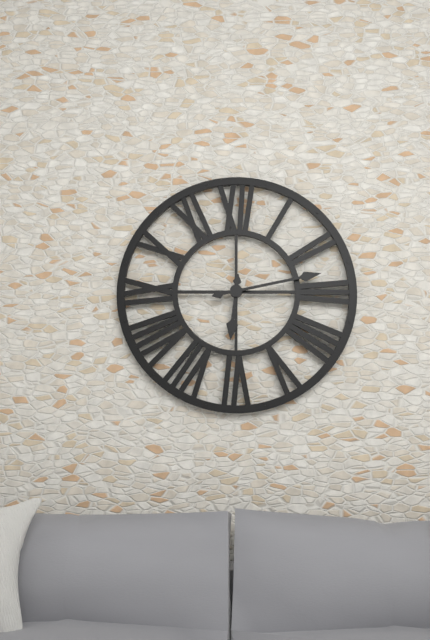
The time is **6:13**
